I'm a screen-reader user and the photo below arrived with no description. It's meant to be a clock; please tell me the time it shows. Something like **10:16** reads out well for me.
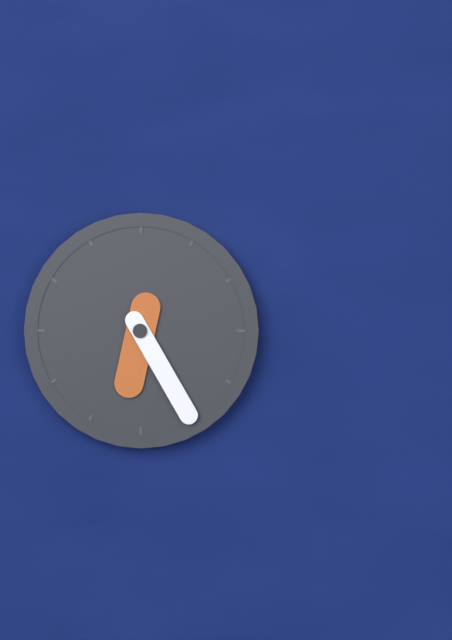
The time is **6:25**
